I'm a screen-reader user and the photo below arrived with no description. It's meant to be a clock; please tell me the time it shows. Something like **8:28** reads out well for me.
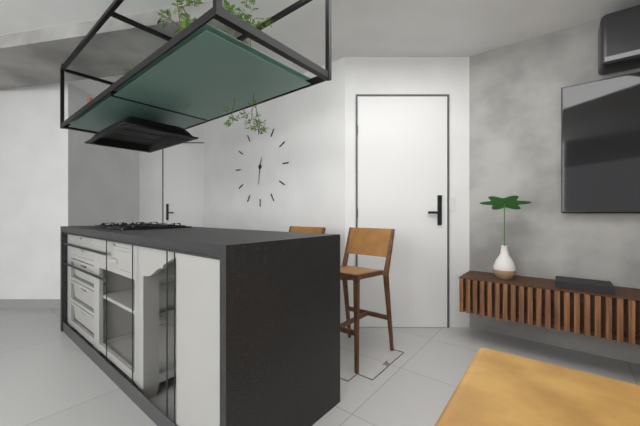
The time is **12:31**
